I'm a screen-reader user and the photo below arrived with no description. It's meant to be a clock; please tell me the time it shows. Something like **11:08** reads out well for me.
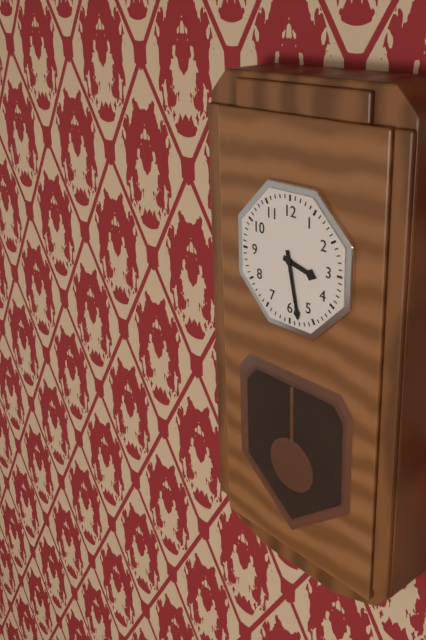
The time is **3:28**
